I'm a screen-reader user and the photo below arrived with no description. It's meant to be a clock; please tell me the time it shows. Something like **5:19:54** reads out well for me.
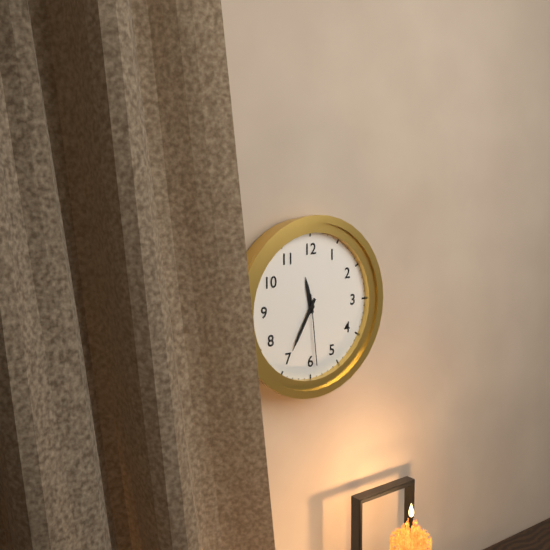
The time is **11:35:29**
